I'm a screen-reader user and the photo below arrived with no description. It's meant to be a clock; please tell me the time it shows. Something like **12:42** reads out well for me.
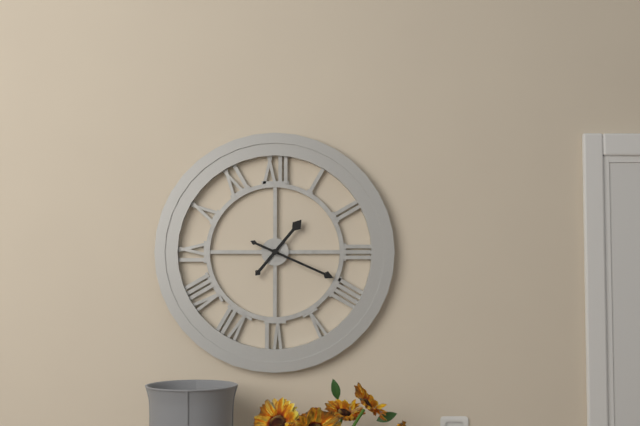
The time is **1:19**
